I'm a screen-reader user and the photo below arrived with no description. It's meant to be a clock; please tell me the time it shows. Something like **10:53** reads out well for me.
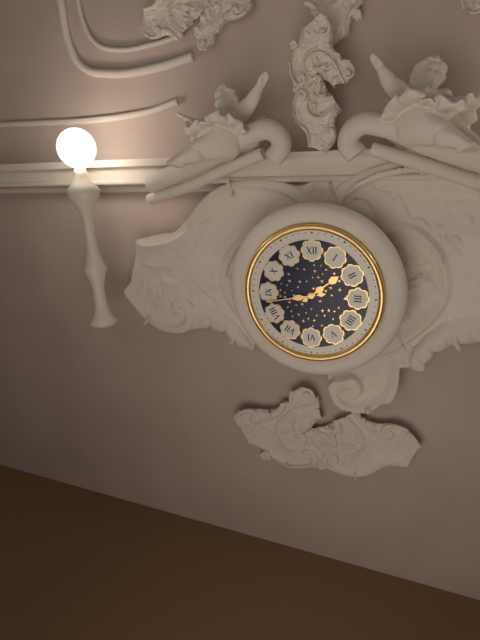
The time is **1:43**
